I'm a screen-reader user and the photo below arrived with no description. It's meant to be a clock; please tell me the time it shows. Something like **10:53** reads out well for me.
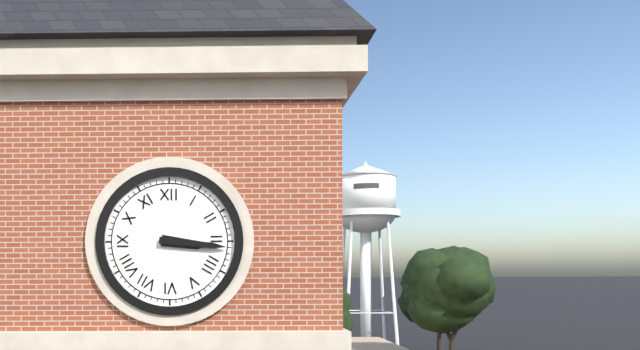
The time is **3:16**
